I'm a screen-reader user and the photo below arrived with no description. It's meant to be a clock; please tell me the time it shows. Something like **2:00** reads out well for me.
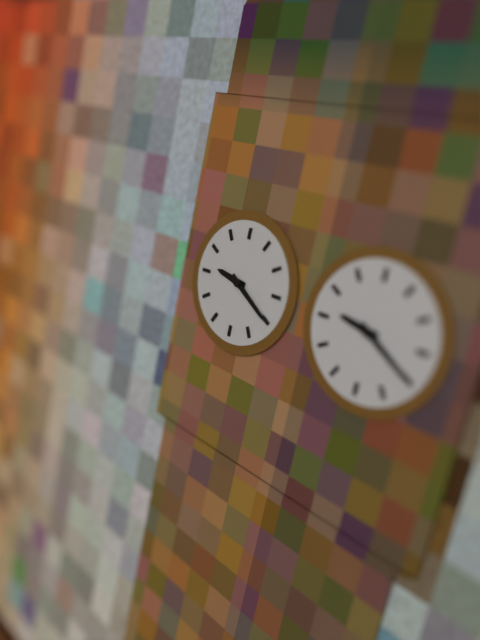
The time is **9:20**
